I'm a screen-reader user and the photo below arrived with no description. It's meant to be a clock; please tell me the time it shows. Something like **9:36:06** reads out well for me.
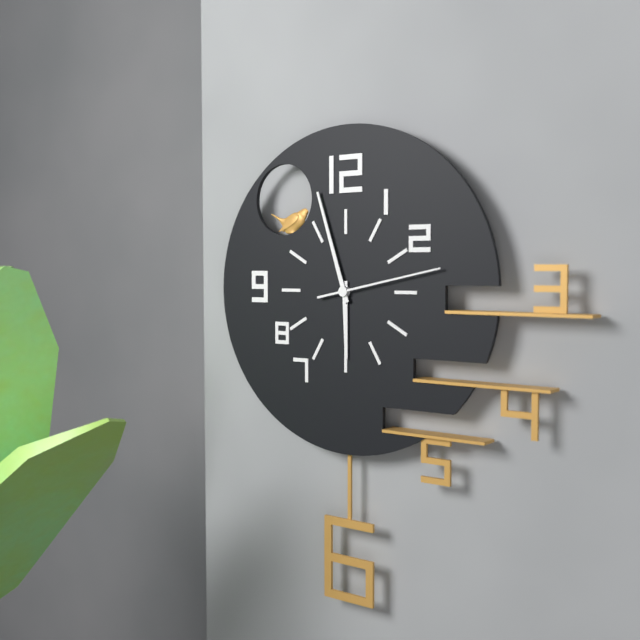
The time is **5:57:13**
